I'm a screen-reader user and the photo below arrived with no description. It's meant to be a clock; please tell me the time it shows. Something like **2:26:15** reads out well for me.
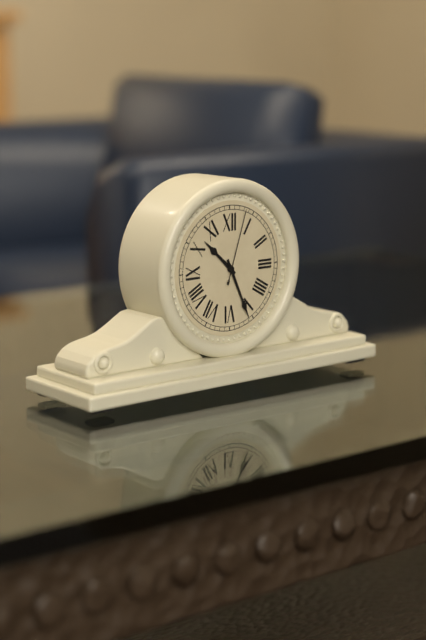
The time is **10:26:03**
